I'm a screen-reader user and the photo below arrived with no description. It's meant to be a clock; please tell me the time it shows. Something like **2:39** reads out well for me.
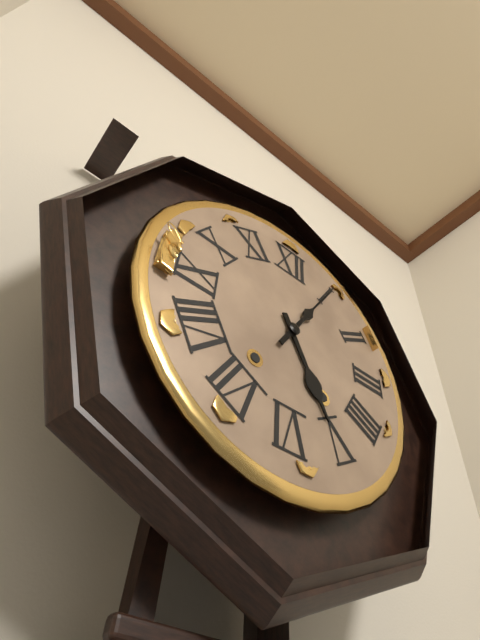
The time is **5:05**
